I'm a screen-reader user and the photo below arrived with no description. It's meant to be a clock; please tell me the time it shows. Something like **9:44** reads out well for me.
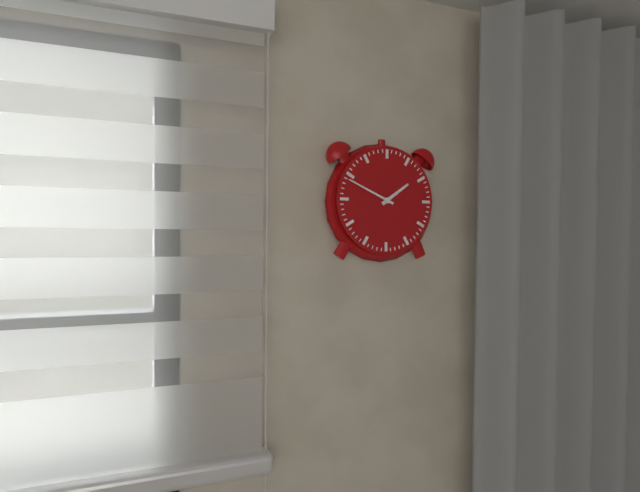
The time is **1:49**
